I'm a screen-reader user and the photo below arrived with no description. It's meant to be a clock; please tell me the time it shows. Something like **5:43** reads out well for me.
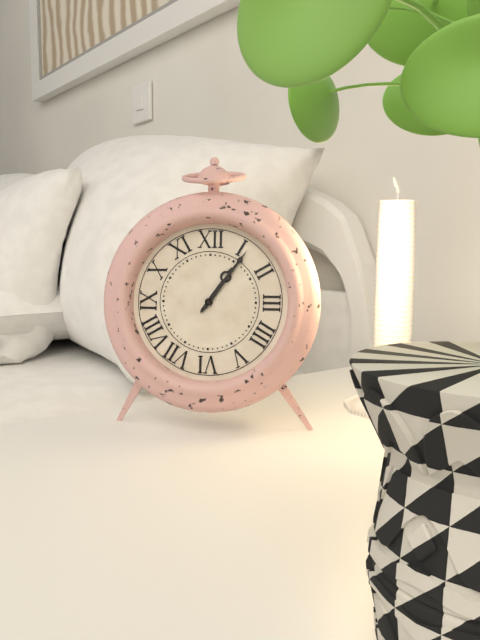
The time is **1:06**
